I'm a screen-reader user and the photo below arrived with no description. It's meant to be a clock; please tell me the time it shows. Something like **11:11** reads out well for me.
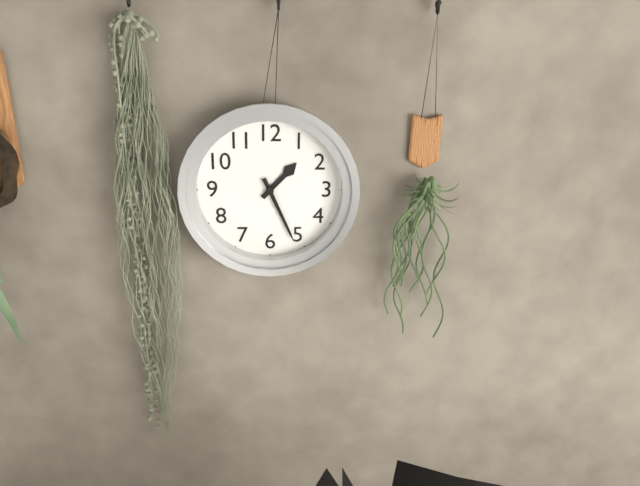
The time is **1:26**
